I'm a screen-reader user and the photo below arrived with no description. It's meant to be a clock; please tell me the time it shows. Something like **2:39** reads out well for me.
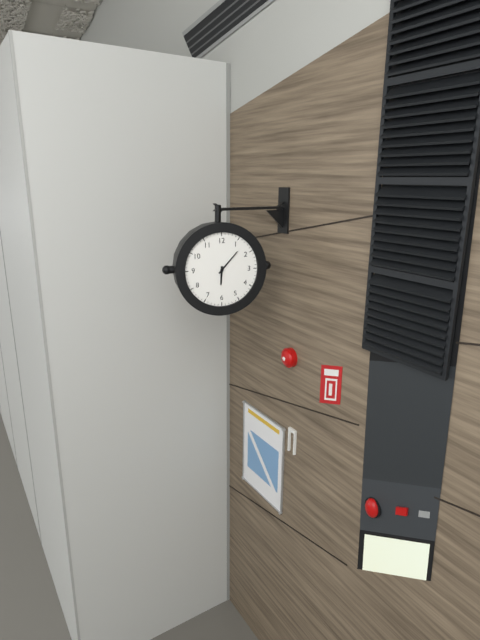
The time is **6:07**
